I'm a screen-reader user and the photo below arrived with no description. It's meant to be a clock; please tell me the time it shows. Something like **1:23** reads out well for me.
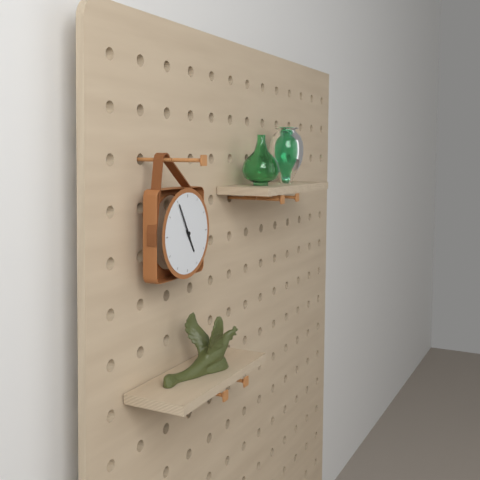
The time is **4:55**
